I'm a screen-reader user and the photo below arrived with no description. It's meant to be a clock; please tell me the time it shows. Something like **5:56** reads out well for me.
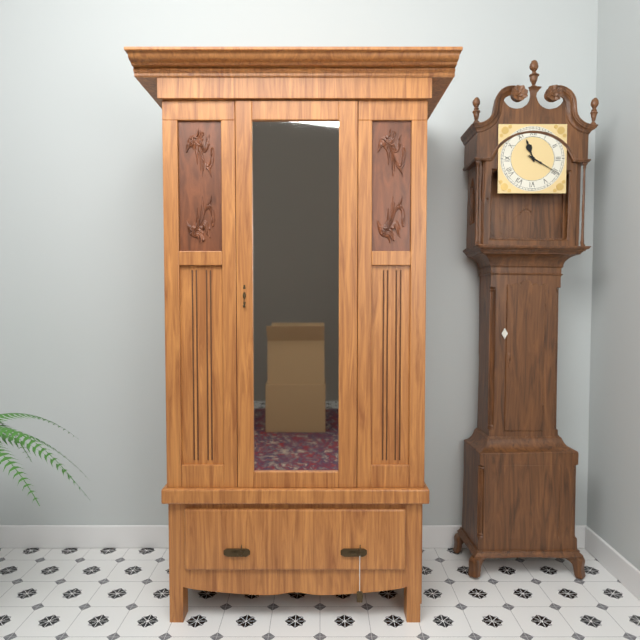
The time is **11:20**
